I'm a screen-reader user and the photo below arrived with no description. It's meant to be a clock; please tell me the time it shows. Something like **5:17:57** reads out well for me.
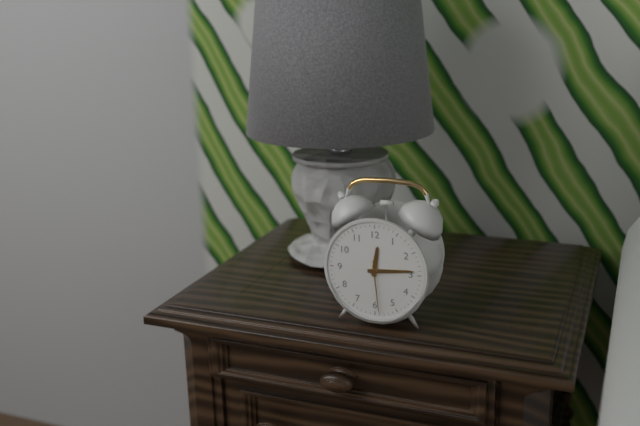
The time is **12:14:29**
